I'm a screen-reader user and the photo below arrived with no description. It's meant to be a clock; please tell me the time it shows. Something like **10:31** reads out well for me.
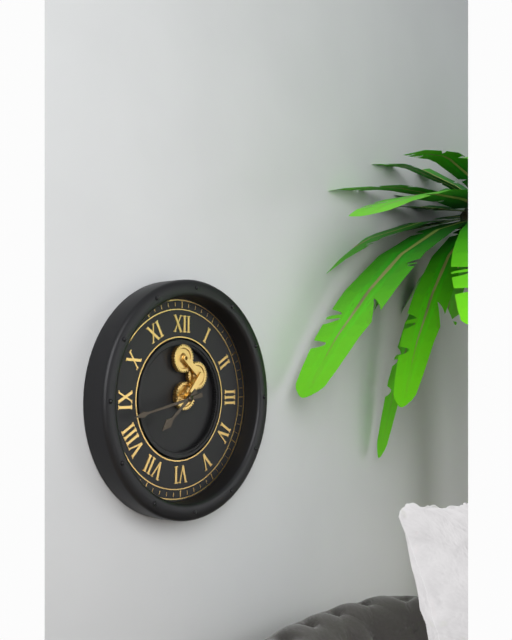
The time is **7:43**
